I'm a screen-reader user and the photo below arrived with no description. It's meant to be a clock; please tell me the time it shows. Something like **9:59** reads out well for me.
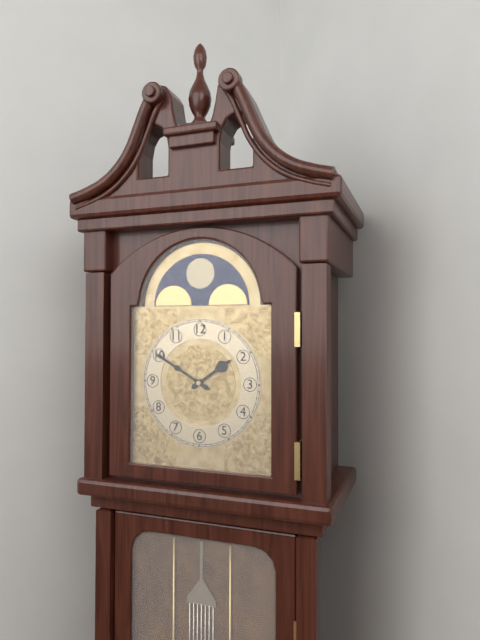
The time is **1:50**
